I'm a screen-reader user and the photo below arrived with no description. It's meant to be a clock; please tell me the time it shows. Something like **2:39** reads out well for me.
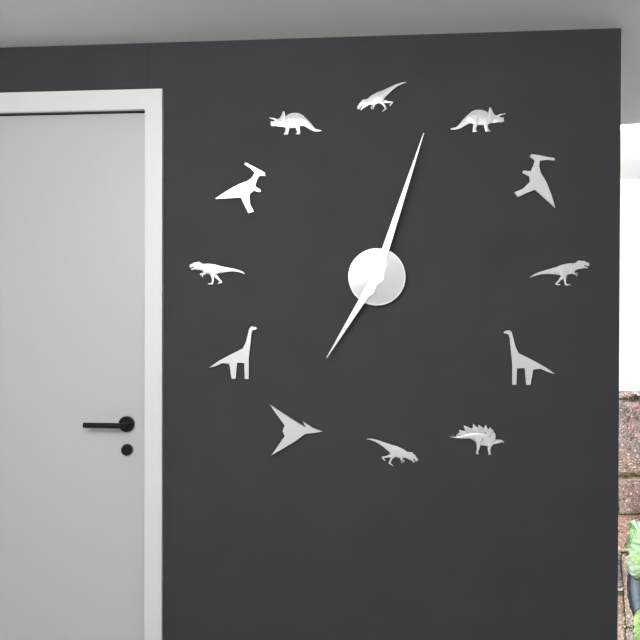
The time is **7:03**
